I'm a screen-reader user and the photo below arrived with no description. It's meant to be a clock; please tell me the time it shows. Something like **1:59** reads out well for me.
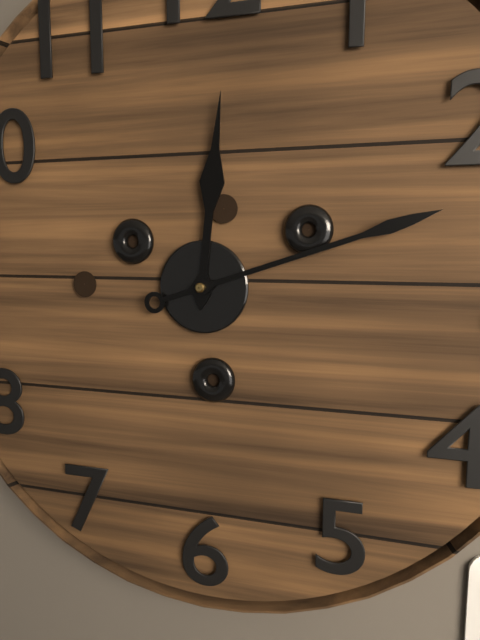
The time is **12:12**
